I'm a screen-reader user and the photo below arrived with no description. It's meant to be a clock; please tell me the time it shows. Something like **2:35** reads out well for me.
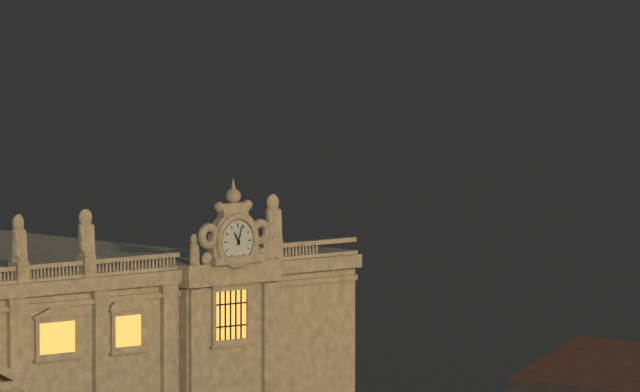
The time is **11:03**
